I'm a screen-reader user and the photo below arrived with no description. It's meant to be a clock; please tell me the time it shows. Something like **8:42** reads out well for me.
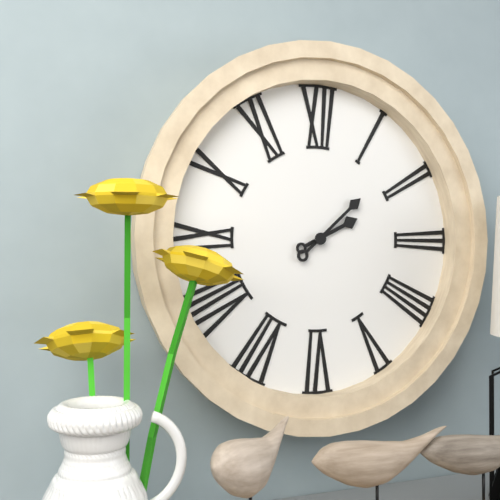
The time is **2:08**
